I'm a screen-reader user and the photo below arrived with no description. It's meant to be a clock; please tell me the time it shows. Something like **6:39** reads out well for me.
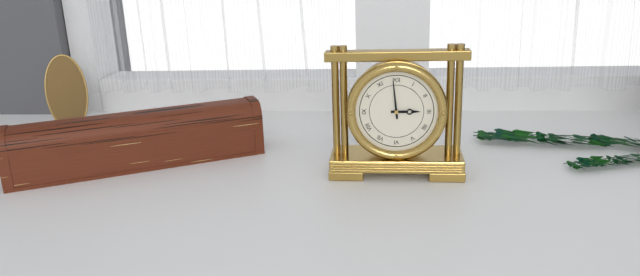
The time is **2:59**
